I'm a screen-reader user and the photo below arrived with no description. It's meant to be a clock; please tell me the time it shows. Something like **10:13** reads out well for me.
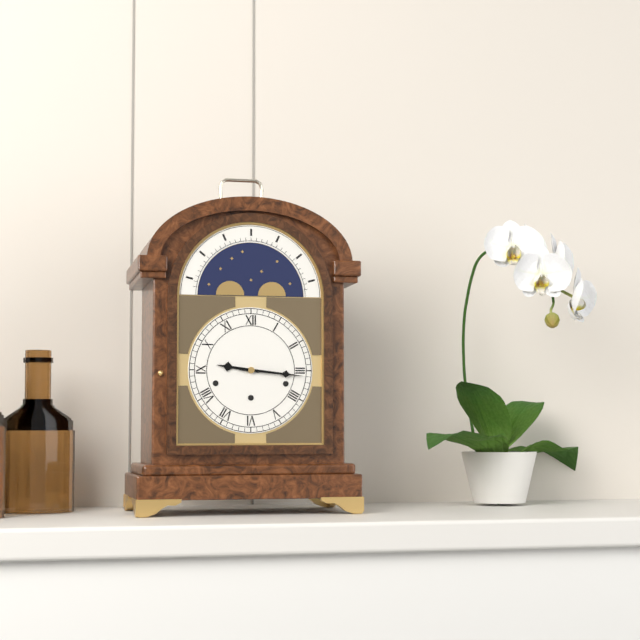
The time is **9:16**
